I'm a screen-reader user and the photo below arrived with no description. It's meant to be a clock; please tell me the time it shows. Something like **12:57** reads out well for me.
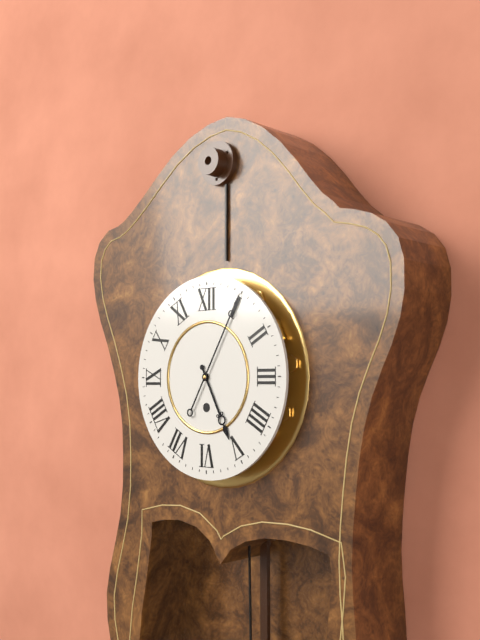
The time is **5:05**
